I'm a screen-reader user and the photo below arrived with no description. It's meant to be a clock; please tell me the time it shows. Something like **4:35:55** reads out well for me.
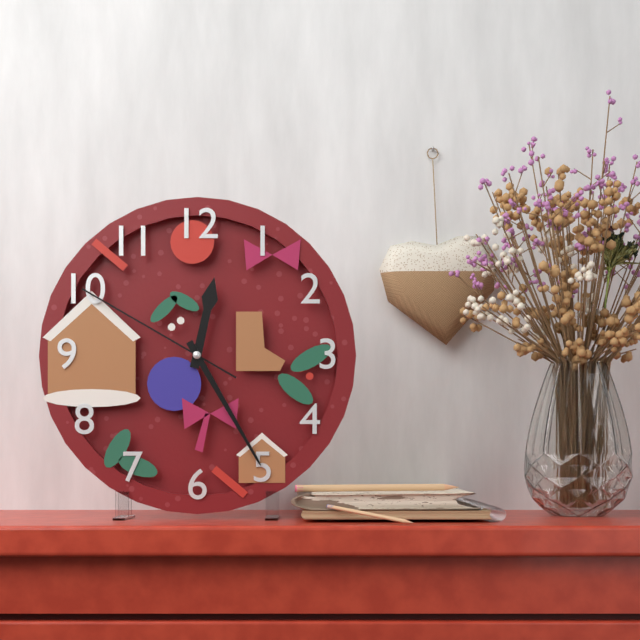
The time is **12:25:50**
